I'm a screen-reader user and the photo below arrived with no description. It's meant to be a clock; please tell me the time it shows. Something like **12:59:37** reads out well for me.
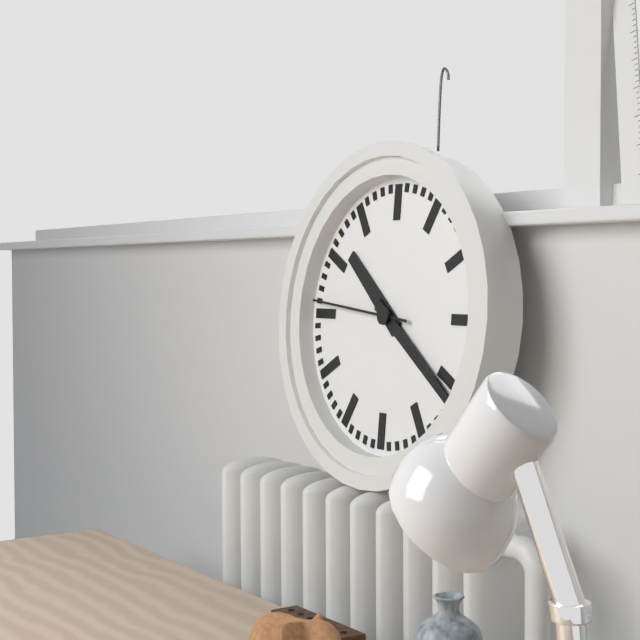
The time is **10:21:46**
